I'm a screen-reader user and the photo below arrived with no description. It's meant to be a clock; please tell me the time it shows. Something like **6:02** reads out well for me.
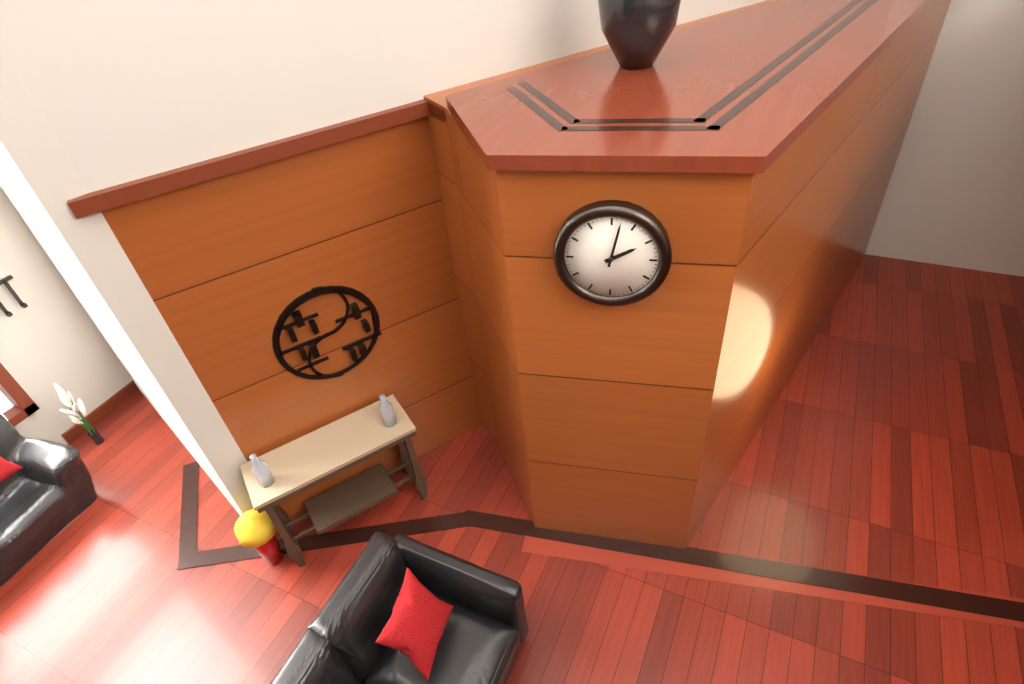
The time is **2:02**
